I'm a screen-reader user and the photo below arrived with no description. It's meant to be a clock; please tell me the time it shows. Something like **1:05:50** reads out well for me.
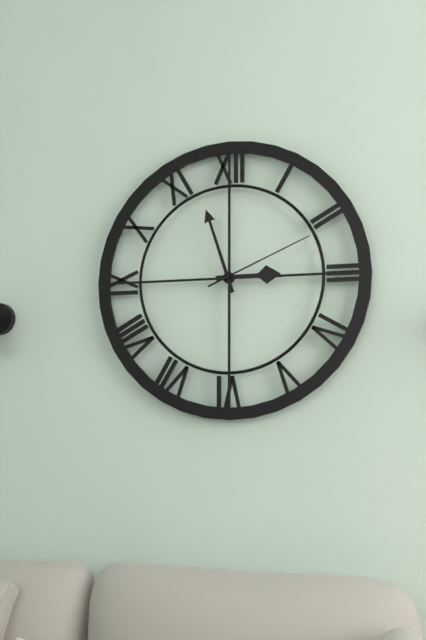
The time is **2:57:11**
